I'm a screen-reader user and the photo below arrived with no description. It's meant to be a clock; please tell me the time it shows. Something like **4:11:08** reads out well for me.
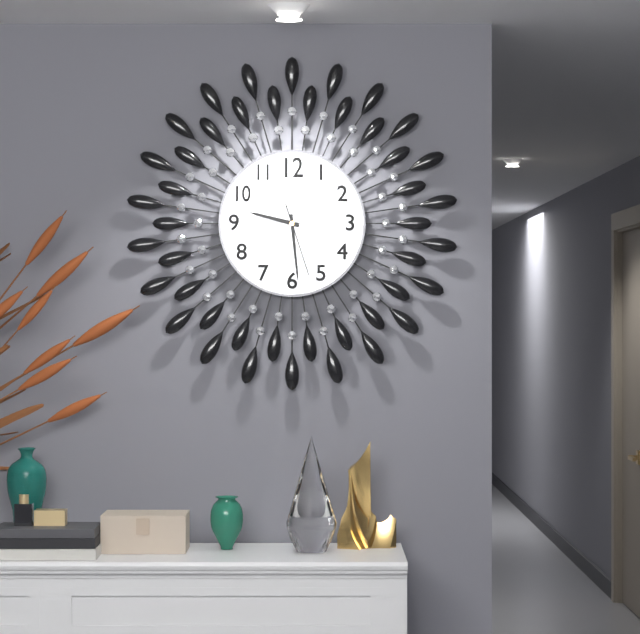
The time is **9:29:27**
